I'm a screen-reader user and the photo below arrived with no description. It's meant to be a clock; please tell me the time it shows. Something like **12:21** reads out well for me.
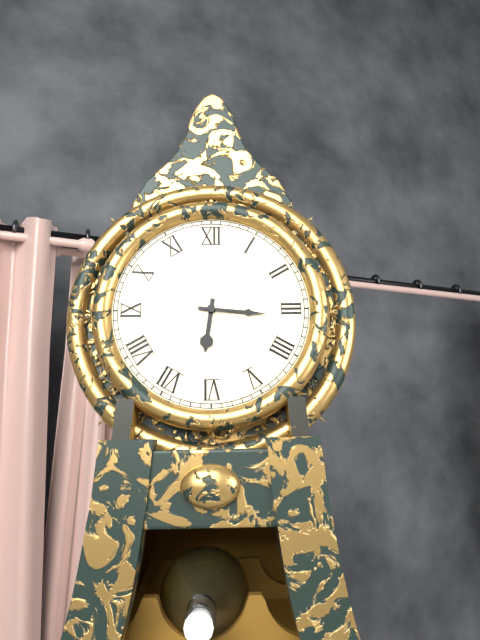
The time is **6:16**
